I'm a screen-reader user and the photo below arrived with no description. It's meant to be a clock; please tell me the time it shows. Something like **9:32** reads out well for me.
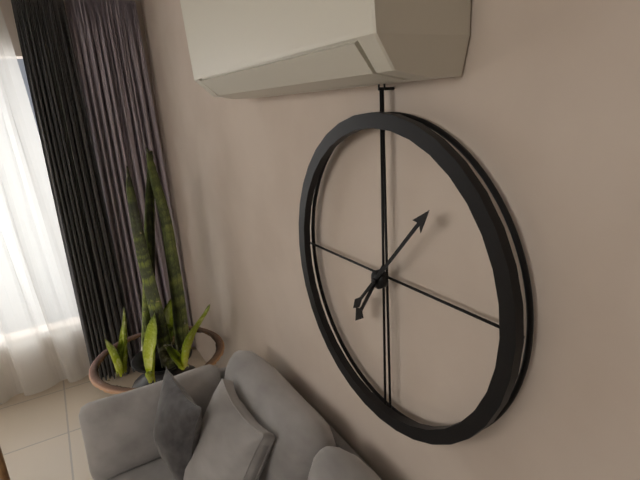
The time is **7:07**
